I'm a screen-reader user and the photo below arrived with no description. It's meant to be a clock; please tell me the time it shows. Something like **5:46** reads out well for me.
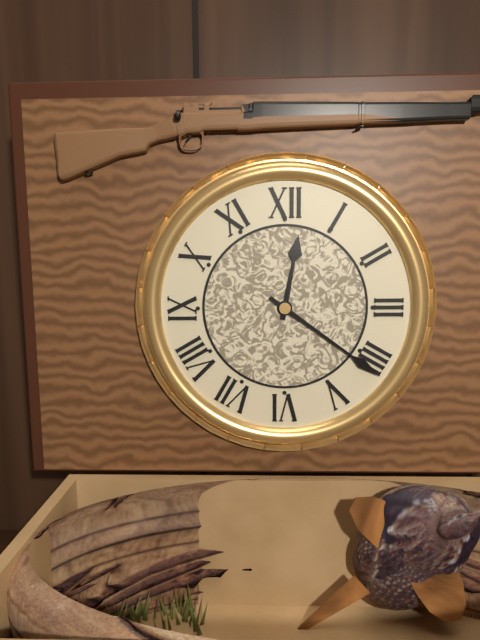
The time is **12:21**
